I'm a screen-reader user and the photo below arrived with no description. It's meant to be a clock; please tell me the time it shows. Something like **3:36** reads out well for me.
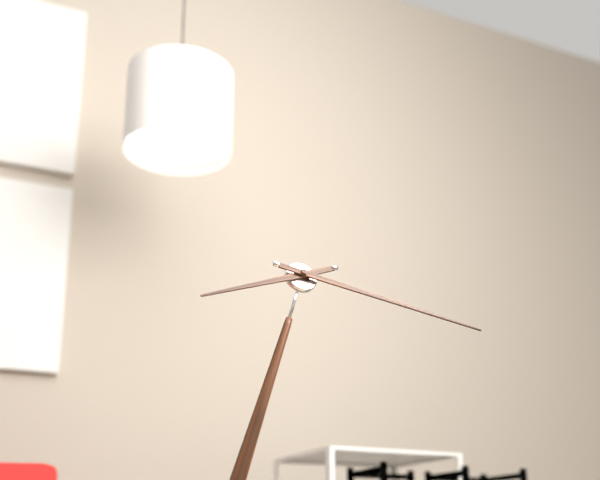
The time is **8:17**
